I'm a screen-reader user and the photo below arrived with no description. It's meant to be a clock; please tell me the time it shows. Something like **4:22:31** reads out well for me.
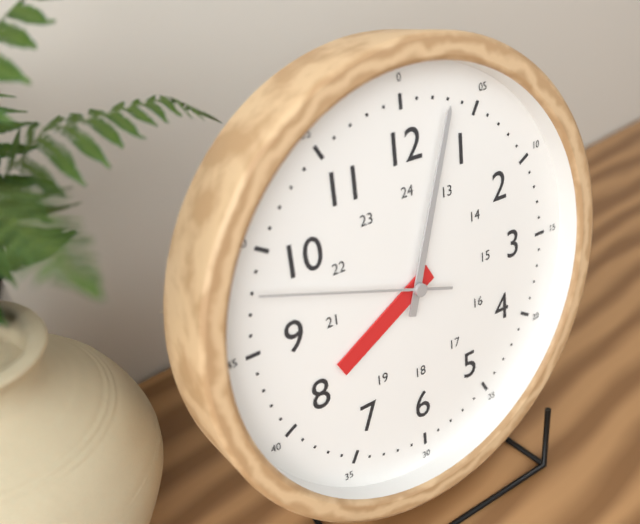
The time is **8:03:48**
